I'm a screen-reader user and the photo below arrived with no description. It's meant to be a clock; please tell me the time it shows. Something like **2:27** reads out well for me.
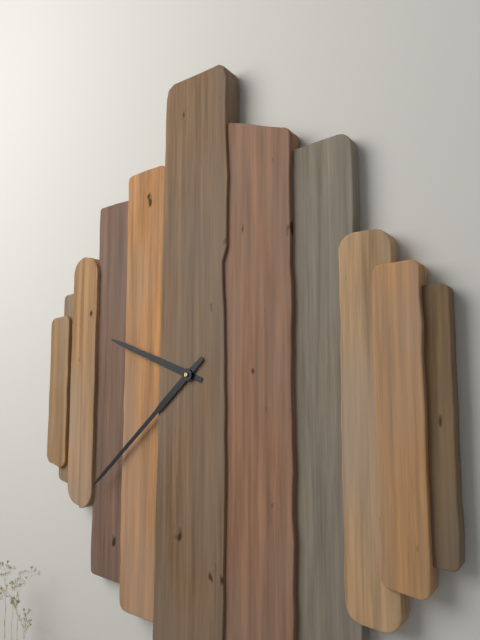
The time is **9:38**
